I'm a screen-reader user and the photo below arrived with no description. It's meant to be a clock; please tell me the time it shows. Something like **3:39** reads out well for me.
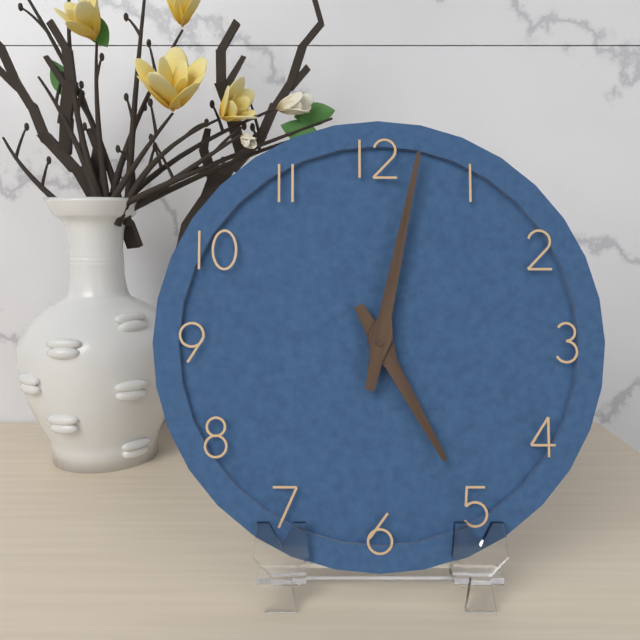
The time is **5:02**
